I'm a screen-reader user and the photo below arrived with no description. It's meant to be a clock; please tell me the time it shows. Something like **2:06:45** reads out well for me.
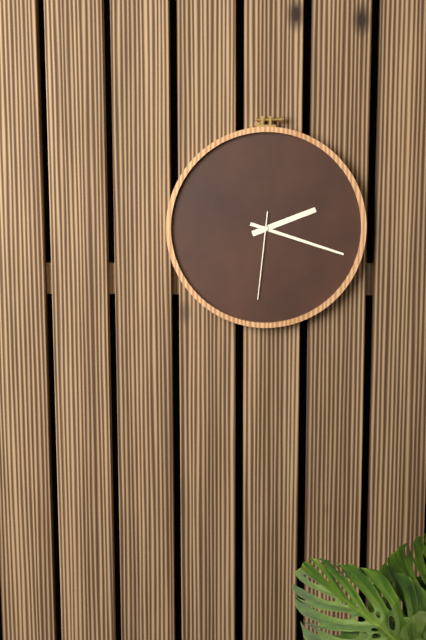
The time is **2:18:31**
